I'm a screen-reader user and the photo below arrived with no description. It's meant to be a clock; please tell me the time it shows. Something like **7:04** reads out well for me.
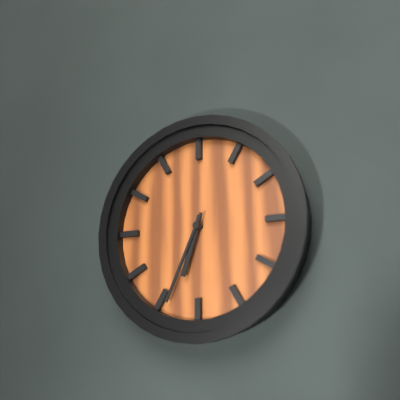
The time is **6:34**
